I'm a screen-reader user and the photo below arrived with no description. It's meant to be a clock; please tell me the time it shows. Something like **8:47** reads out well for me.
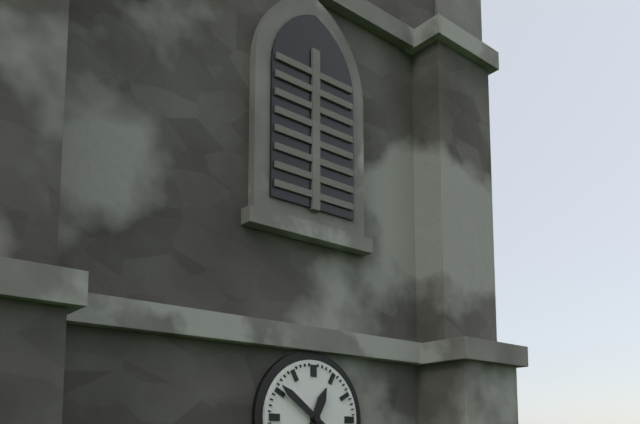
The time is **12:51**
